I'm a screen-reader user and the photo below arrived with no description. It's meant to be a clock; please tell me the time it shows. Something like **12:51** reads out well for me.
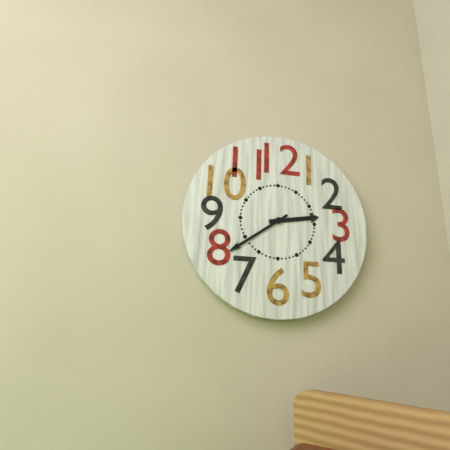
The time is **2:39**
